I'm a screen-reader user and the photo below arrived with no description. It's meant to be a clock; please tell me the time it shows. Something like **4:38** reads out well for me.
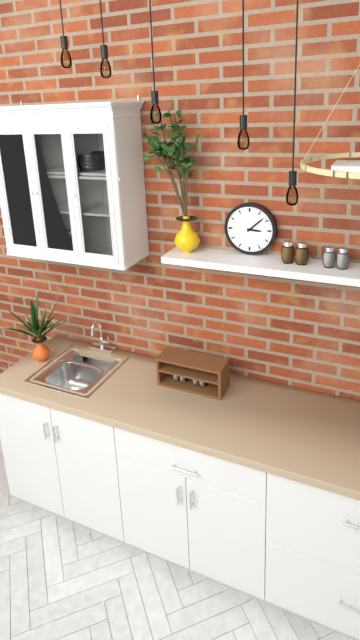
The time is **3:08**
